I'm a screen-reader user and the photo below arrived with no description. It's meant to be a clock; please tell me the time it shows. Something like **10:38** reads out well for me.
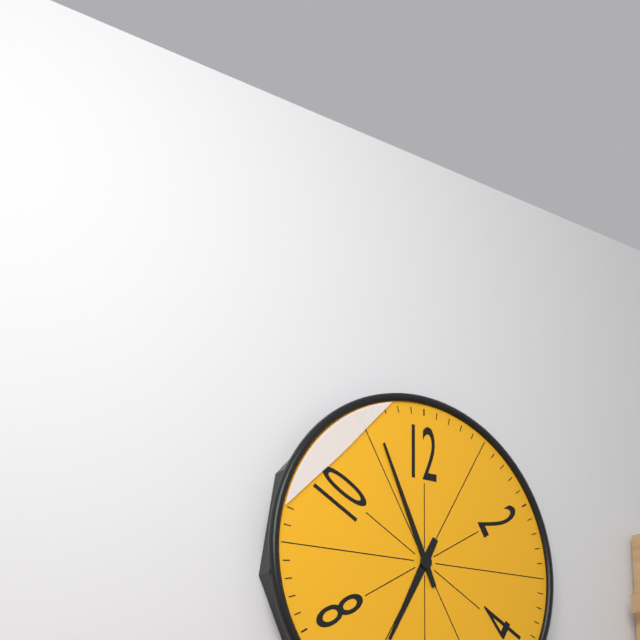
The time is **6:56**
